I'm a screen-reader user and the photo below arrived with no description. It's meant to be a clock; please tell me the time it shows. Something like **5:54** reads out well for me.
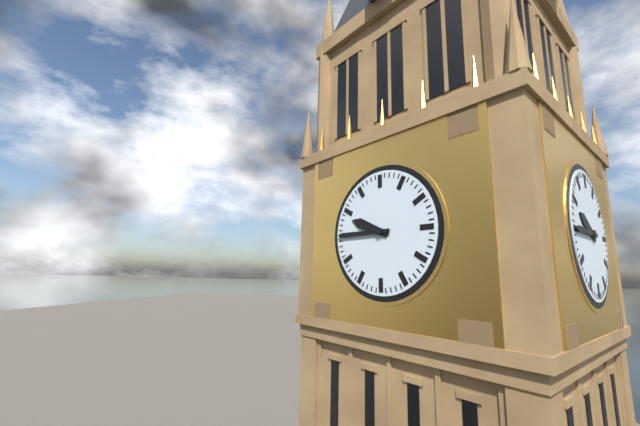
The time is **9:45**
